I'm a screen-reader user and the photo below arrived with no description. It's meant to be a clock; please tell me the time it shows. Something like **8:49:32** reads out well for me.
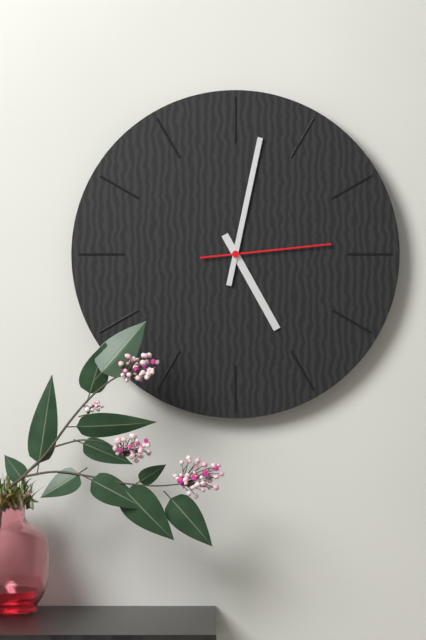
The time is **5:02:14**
